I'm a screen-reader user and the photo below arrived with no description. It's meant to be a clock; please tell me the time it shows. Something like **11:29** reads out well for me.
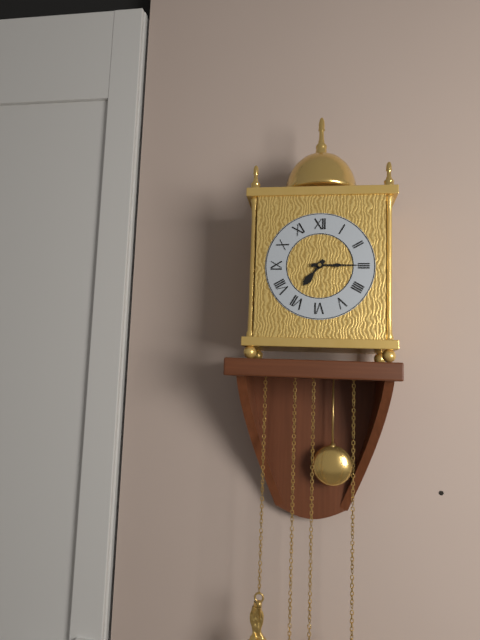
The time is **7:15**
